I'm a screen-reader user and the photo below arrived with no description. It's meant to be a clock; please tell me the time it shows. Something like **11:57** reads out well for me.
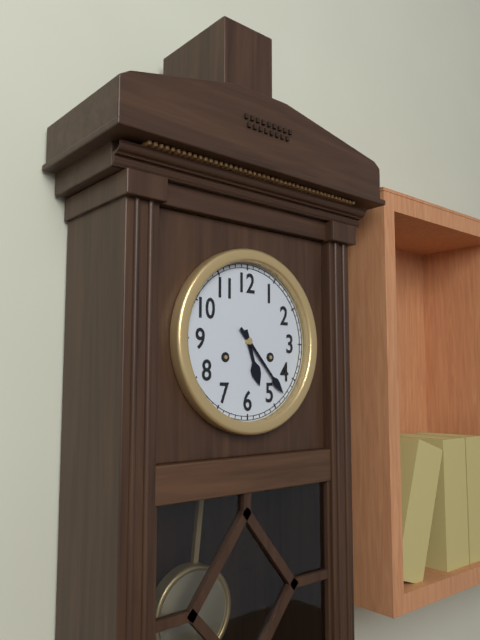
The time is **5:23**
